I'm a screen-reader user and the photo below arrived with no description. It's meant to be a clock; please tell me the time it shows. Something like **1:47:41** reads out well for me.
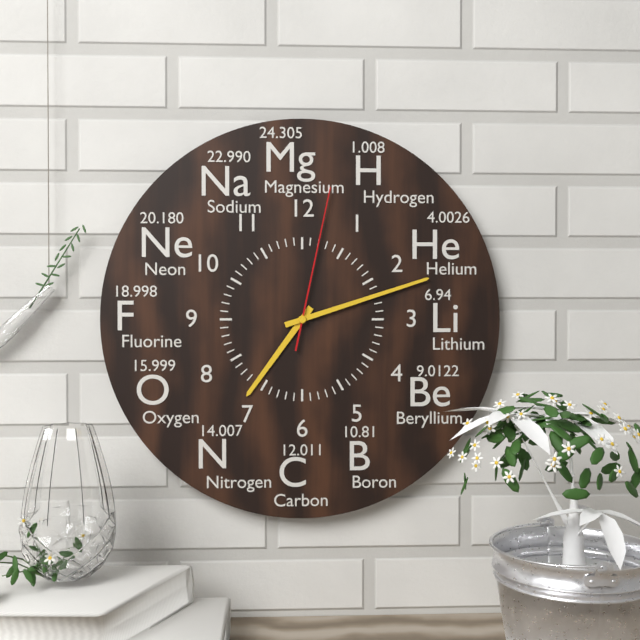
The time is **7:12:02**
